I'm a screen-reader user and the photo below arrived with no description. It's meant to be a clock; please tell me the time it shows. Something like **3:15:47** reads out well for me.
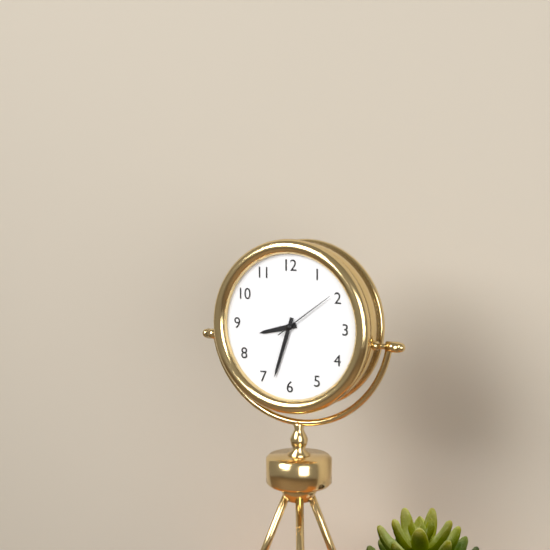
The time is **8:33:09**
